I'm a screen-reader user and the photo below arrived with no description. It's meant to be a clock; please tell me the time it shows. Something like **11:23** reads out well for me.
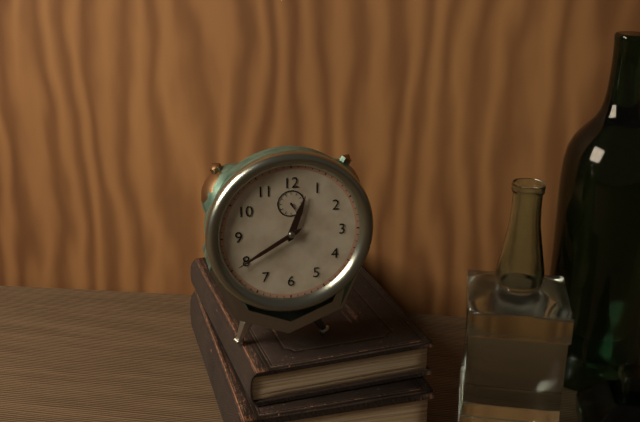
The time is **12:40**
